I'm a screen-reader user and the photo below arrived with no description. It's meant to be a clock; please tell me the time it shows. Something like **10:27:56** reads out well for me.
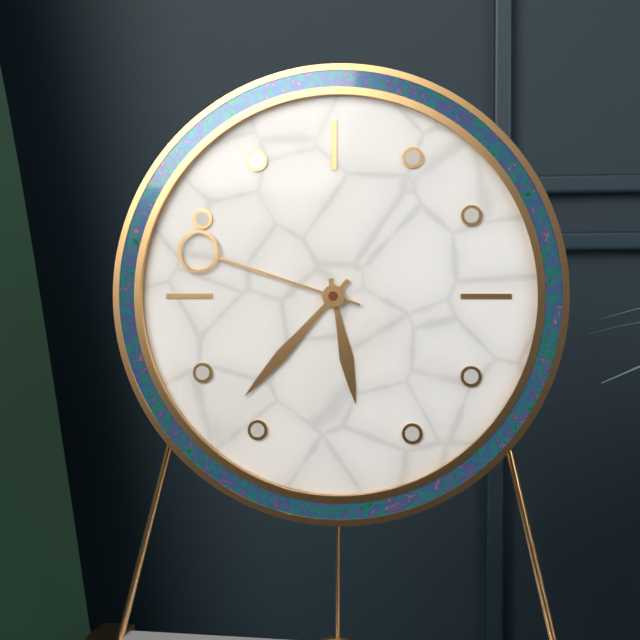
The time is **5:37:48**
